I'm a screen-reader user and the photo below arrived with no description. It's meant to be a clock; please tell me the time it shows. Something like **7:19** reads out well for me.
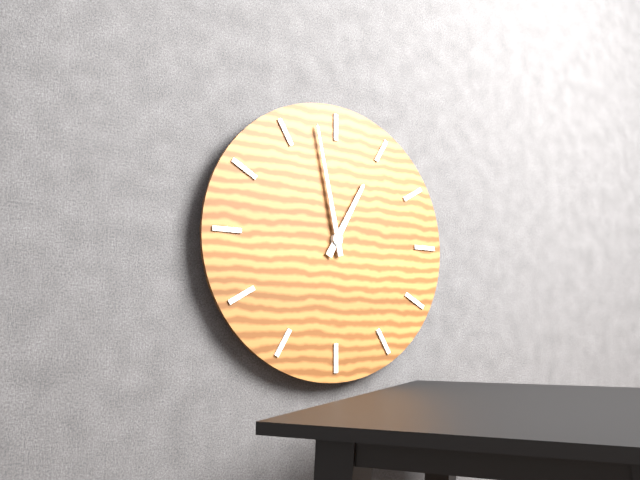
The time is **12:58**
